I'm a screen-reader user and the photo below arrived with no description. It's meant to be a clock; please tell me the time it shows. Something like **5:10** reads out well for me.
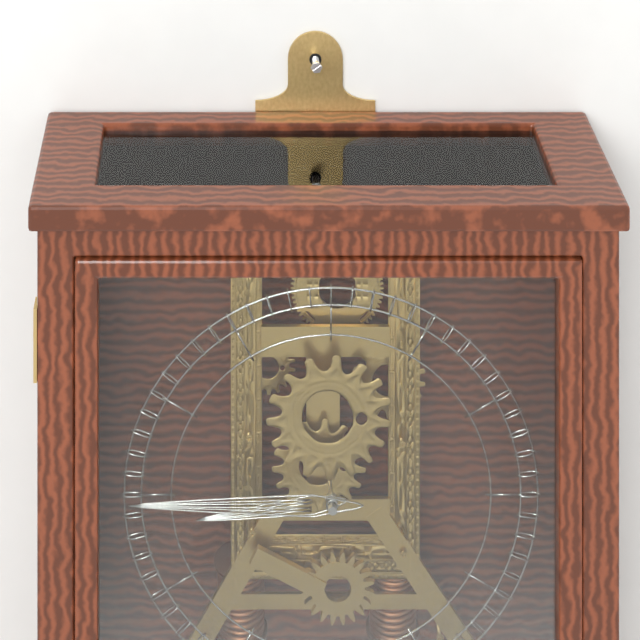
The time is **8:45**
